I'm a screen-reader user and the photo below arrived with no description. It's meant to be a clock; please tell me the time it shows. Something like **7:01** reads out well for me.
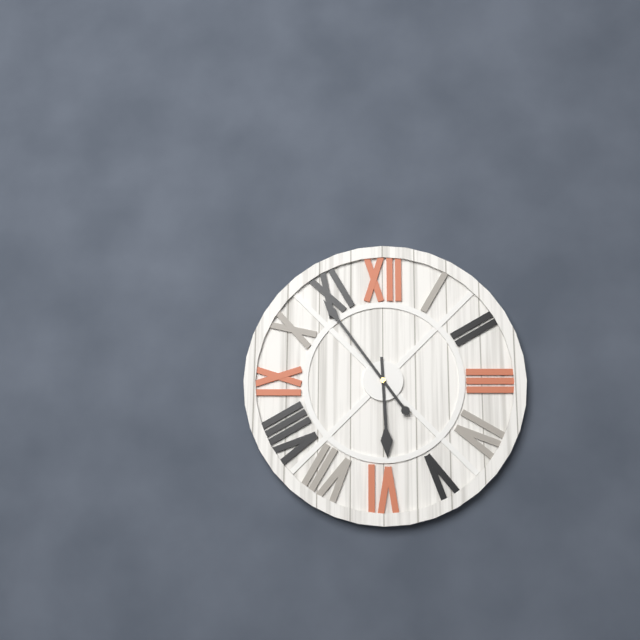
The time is **5:54**
